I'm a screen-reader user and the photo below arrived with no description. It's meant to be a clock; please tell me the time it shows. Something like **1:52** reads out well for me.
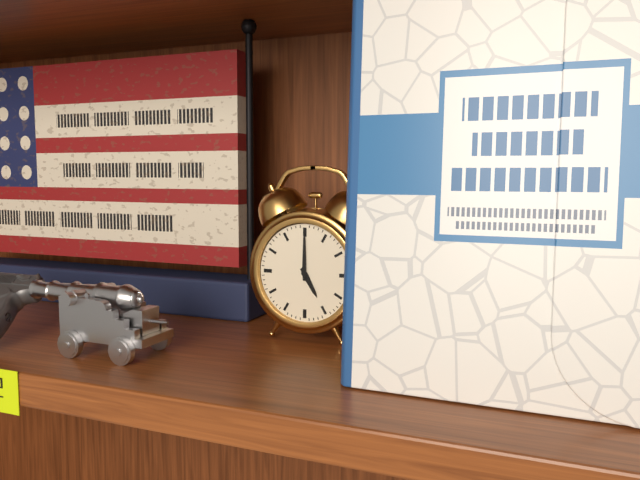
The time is **5:00**
